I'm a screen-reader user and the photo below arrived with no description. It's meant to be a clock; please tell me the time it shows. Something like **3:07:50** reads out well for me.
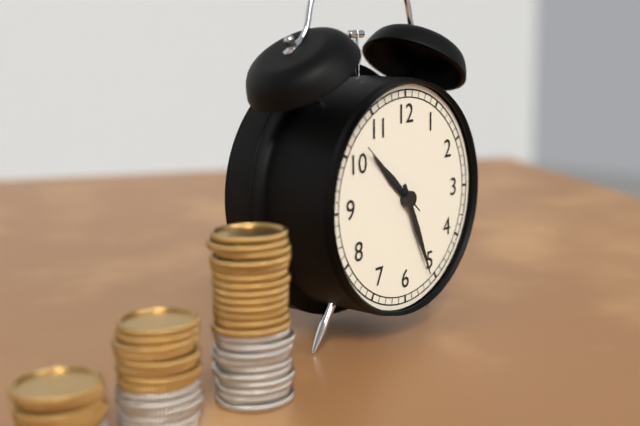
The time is **10:26:52**
